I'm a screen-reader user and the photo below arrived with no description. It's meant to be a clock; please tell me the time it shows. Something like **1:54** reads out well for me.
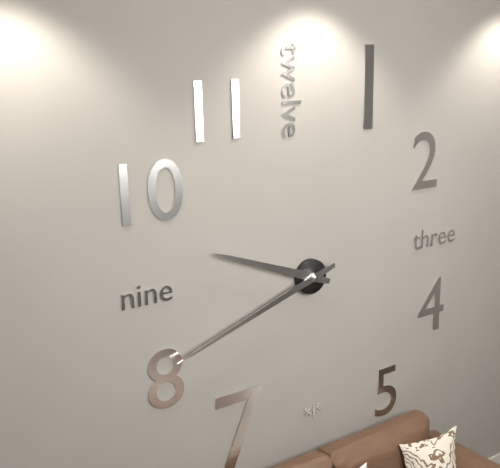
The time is **9:42**
